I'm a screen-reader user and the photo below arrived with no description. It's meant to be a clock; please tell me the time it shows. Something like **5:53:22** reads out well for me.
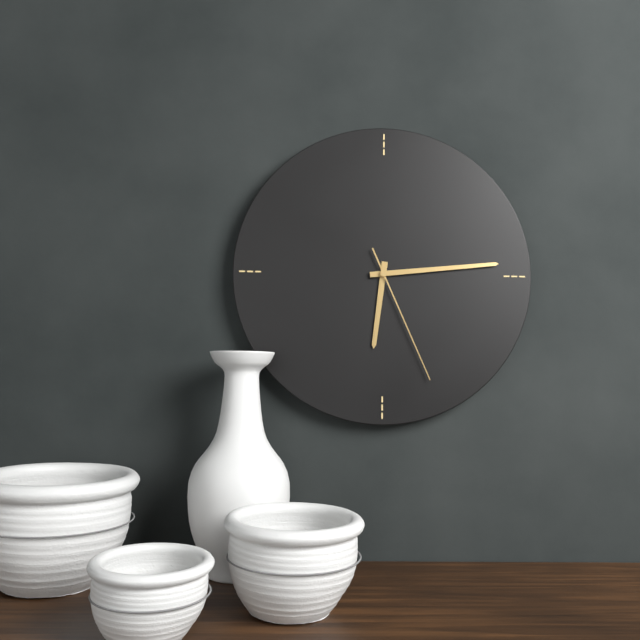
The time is **6:14:26**
